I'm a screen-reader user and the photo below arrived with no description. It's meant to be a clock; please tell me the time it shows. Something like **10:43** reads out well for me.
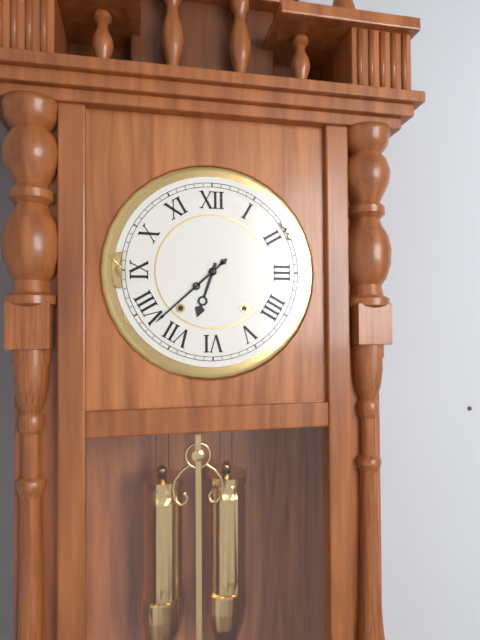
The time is **6:38**
